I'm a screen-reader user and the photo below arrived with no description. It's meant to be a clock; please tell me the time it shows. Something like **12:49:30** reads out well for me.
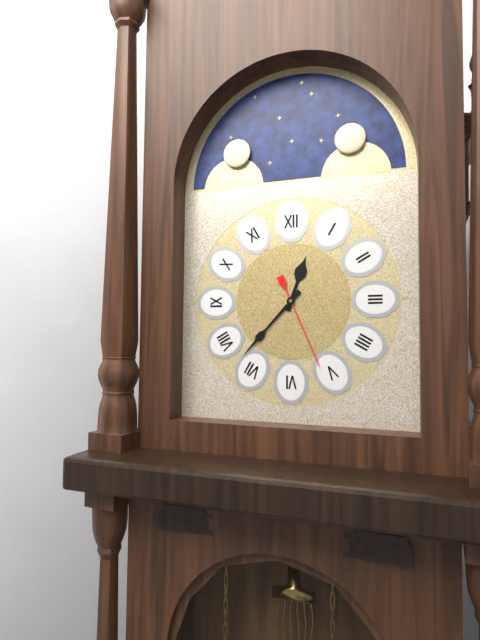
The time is **12:37:26**
